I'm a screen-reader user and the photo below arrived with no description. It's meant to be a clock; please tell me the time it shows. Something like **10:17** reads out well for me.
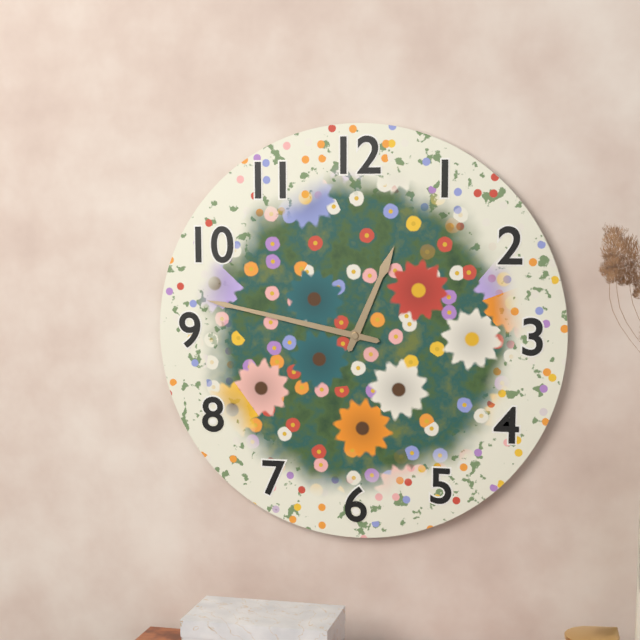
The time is **12:47**
